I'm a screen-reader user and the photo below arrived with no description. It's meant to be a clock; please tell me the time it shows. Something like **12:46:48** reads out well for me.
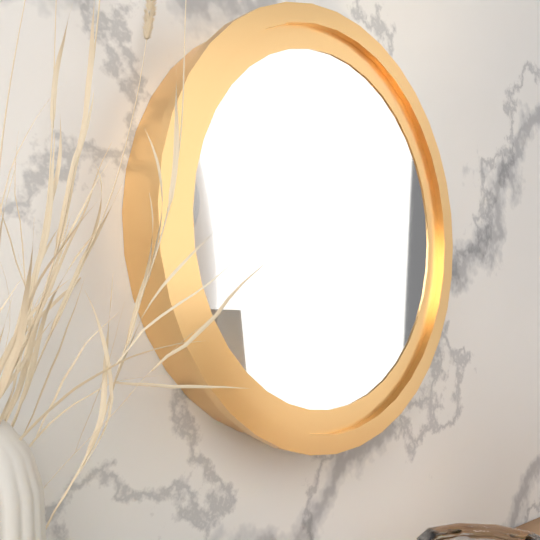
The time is **3:56:58**
